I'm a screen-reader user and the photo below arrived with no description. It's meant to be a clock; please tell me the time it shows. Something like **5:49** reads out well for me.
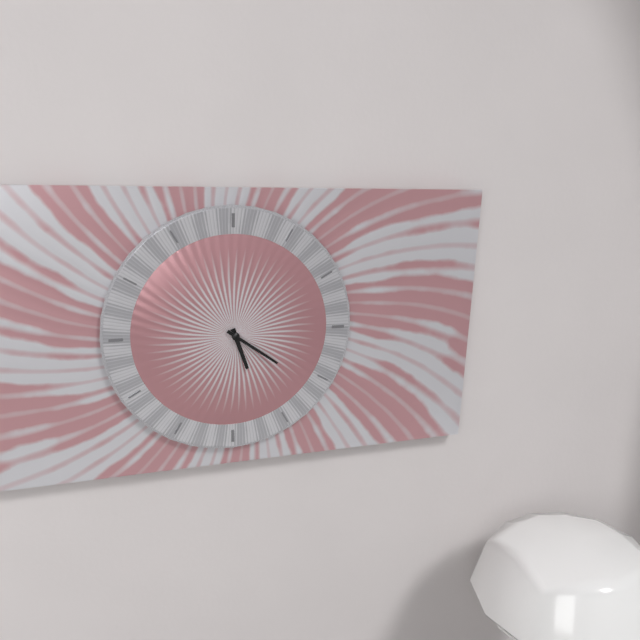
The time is **5:21**
